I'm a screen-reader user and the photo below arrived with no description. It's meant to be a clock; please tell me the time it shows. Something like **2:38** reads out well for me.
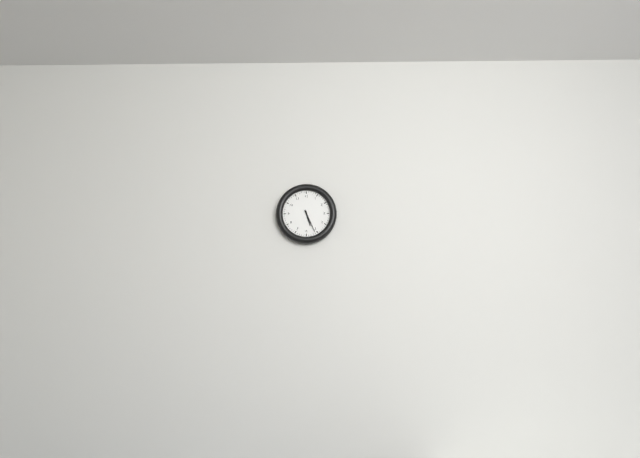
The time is **5:26**
